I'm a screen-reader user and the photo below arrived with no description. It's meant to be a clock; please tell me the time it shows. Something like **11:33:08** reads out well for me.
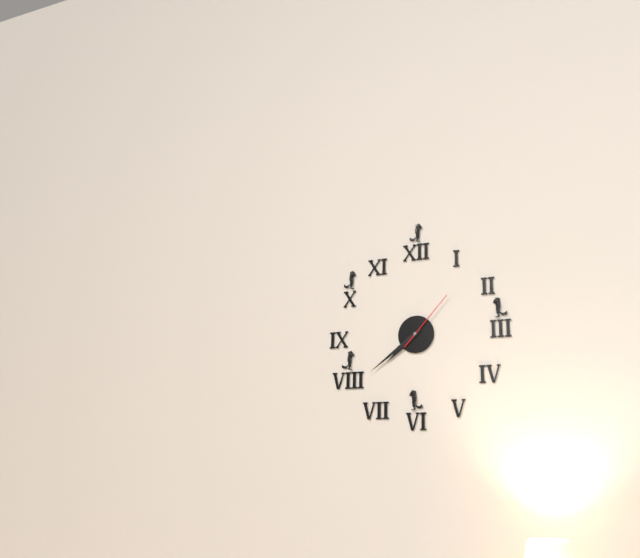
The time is **7:39:07**
